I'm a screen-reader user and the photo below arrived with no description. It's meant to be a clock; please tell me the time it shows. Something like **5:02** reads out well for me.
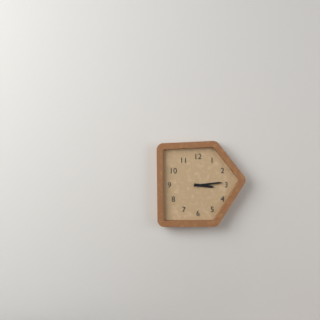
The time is **3:14**
